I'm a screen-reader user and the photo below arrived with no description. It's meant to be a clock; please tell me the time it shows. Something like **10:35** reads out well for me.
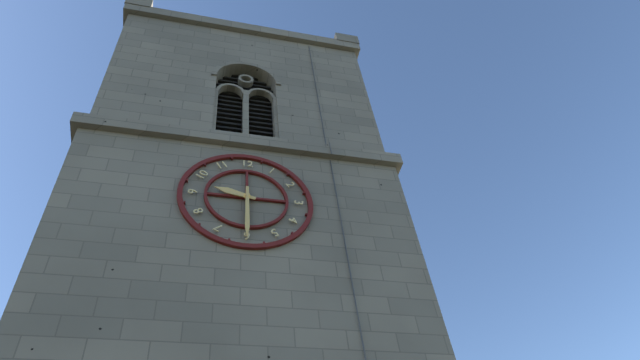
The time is **9:30**
